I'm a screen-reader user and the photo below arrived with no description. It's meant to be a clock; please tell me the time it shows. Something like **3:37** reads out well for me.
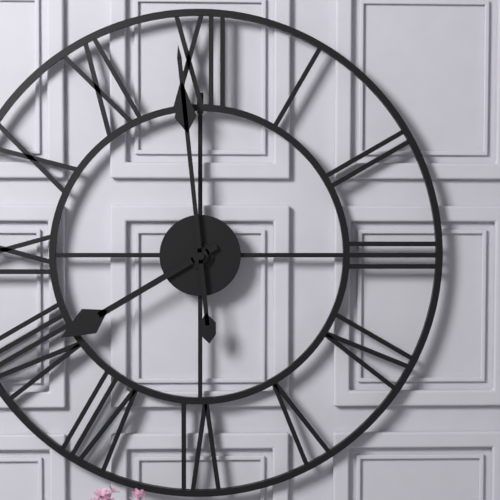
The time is **7:59**
